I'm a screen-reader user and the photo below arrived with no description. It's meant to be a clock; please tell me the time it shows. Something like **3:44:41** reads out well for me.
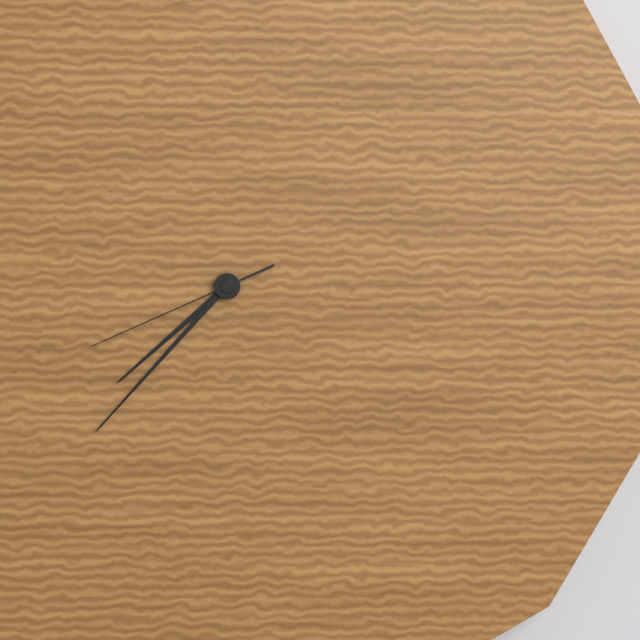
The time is **7:37:41**
